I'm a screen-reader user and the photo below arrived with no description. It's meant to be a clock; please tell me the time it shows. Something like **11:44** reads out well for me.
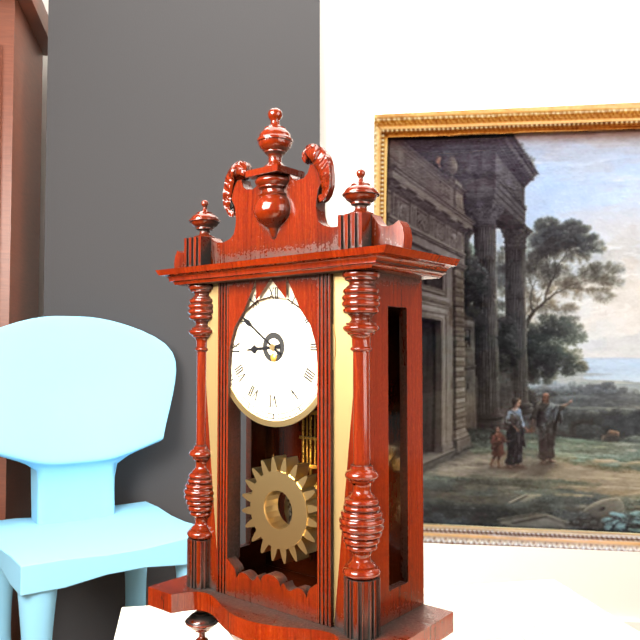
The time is **8:51**
